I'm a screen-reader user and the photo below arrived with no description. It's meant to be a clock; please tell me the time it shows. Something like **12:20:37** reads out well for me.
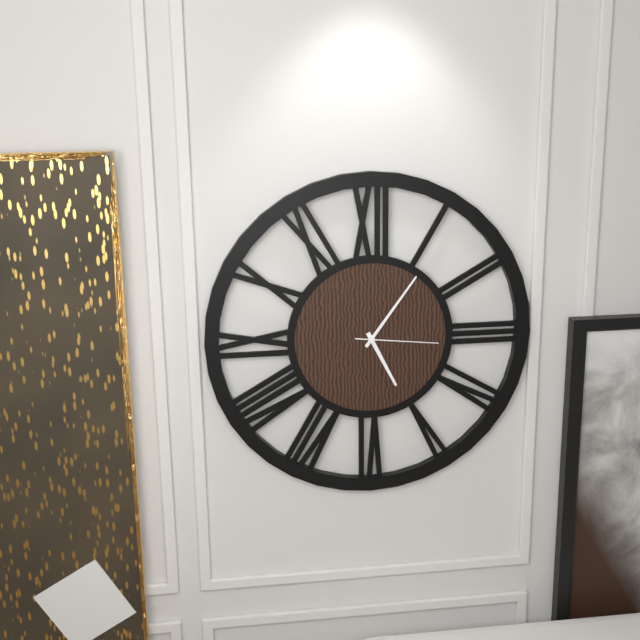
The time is **5:06:16**
